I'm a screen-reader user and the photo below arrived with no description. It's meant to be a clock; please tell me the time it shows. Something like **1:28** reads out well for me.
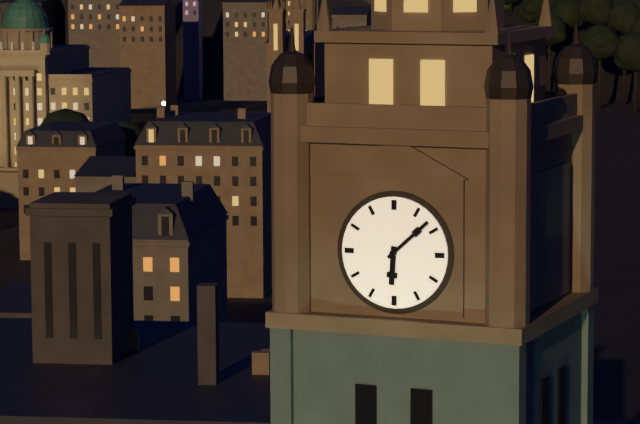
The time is **6:08**
